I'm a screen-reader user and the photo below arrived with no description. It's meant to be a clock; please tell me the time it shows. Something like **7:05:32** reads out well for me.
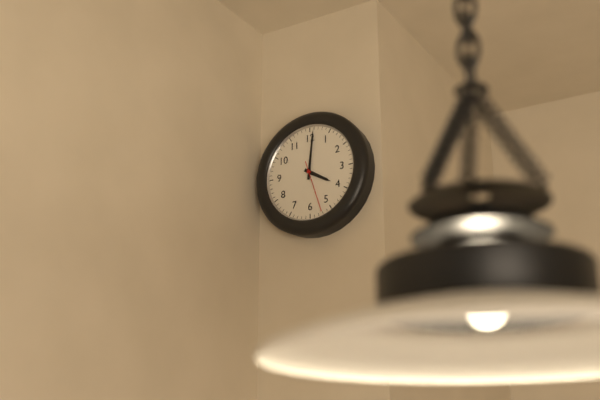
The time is **4:01:27**
